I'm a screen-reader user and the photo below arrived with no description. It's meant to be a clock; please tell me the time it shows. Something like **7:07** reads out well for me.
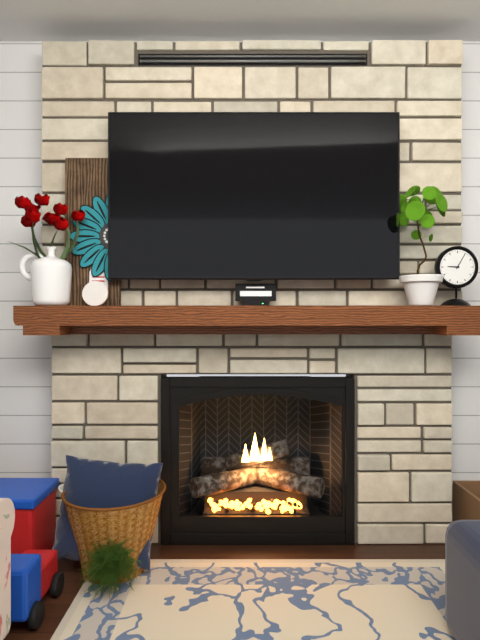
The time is **9:05**
